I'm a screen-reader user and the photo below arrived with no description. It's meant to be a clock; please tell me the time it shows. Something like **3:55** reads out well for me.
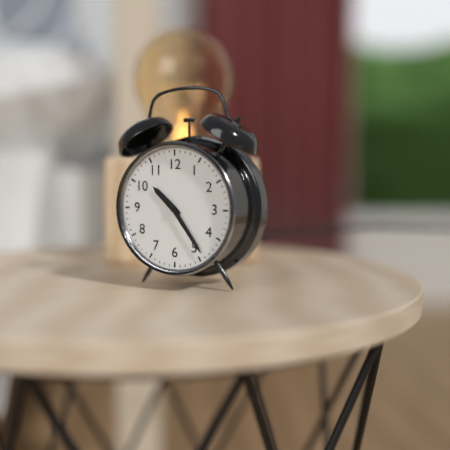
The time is **10:24**
